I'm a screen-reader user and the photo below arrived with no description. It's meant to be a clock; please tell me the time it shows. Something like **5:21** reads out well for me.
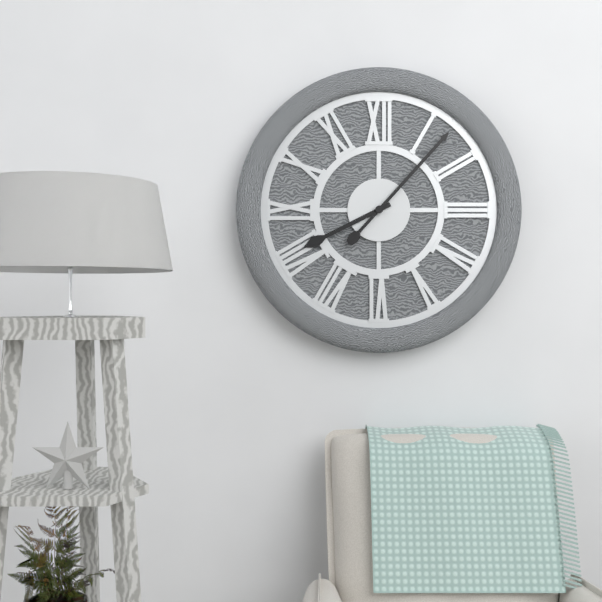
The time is **8:07**
